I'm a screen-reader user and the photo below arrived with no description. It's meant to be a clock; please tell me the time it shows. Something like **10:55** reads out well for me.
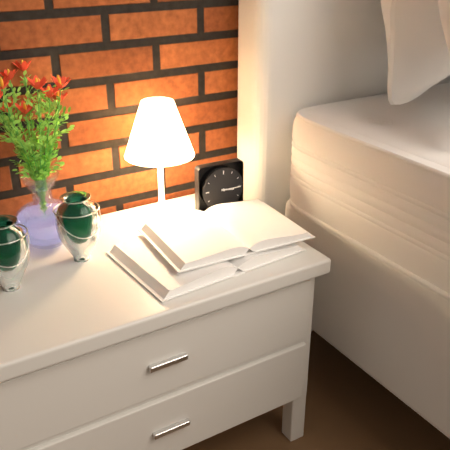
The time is **3:15**
